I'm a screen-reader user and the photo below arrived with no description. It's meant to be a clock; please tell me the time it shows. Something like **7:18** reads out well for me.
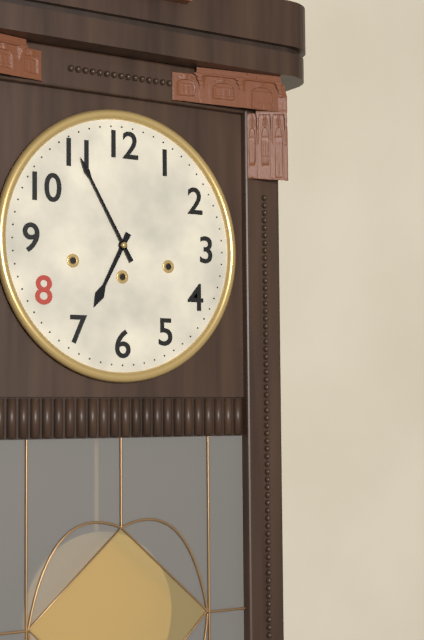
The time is **6:55**
